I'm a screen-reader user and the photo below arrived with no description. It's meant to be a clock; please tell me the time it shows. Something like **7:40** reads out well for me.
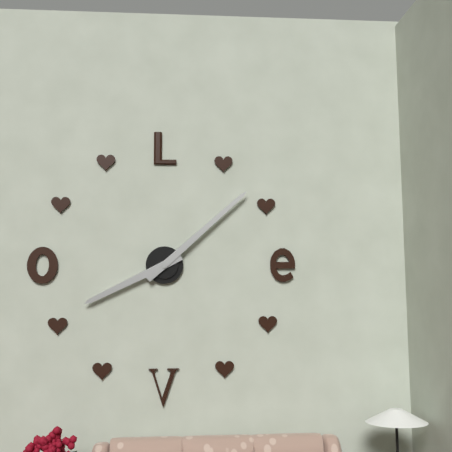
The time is **8:08**
